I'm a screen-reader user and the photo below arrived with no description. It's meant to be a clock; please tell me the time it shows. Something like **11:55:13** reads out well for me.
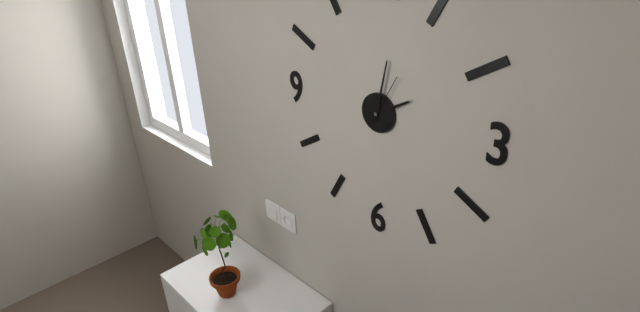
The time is **2:02:05**
